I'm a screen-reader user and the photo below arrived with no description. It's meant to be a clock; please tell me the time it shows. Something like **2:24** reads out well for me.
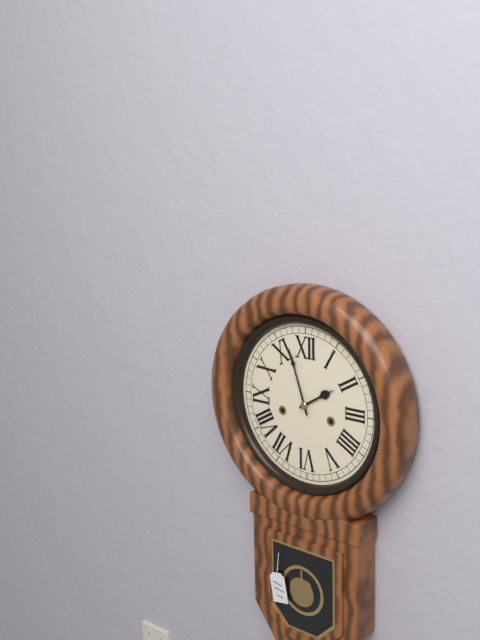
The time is **1:57**
